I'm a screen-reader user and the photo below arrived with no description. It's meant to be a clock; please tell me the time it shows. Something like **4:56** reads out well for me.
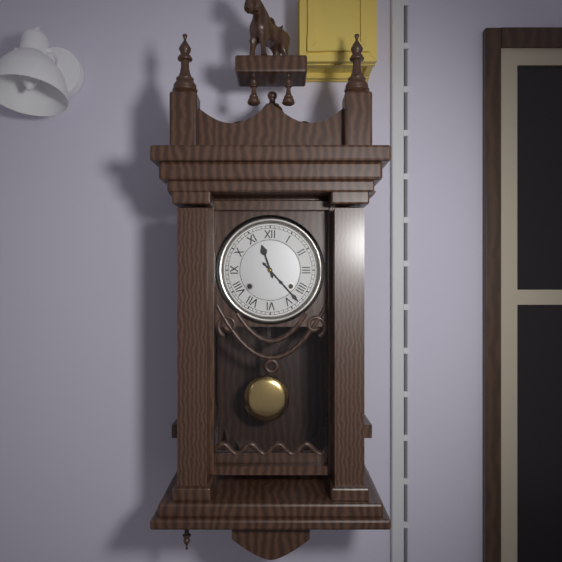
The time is **11:23**
